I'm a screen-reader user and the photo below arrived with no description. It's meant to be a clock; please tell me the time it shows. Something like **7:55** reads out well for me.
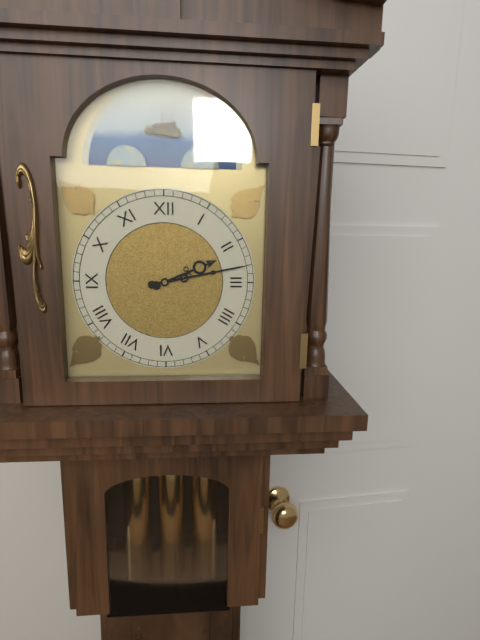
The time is **2:13**
